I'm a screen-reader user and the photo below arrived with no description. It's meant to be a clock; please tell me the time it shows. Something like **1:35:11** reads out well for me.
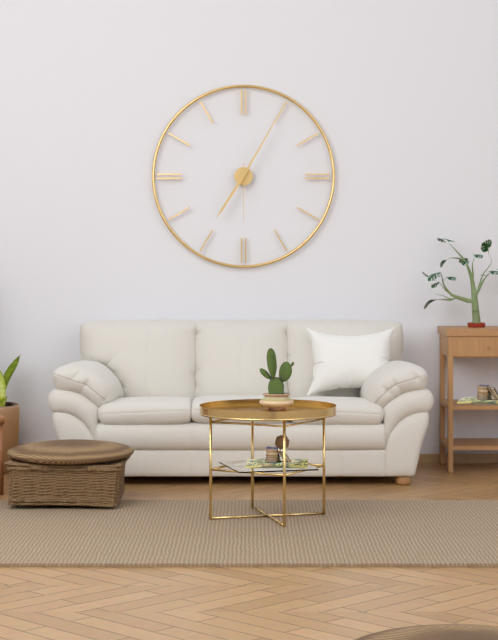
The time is **7:05:30**
